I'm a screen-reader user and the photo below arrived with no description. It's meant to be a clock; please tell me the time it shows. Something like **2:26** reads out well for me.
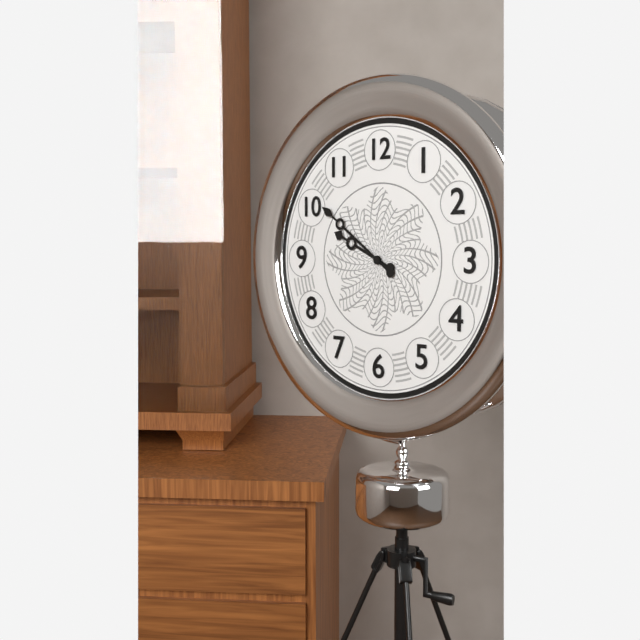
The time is **9:51**
